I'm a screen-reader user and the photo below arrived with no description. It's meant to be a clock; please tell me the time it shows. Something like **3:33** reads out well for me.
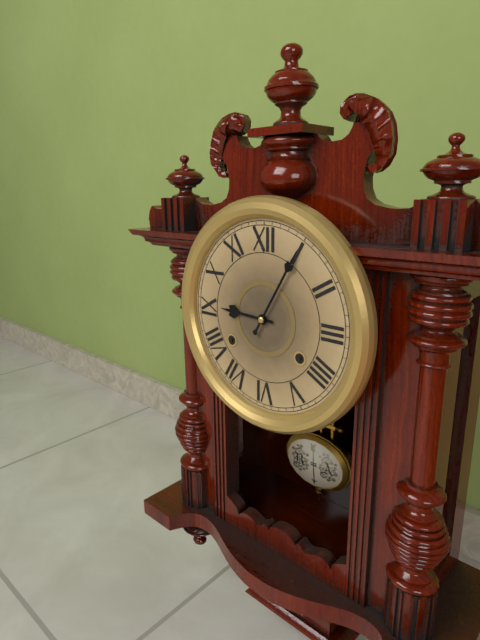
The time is **9:05**
